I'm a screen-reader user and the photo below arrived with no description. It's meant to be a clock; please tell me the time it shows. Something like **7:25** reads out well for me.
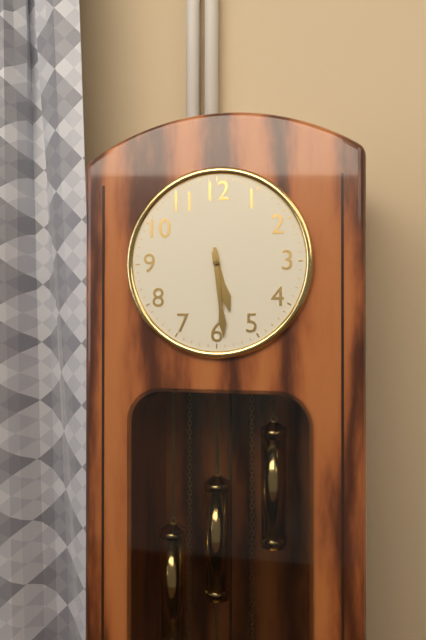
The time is **5:29**
